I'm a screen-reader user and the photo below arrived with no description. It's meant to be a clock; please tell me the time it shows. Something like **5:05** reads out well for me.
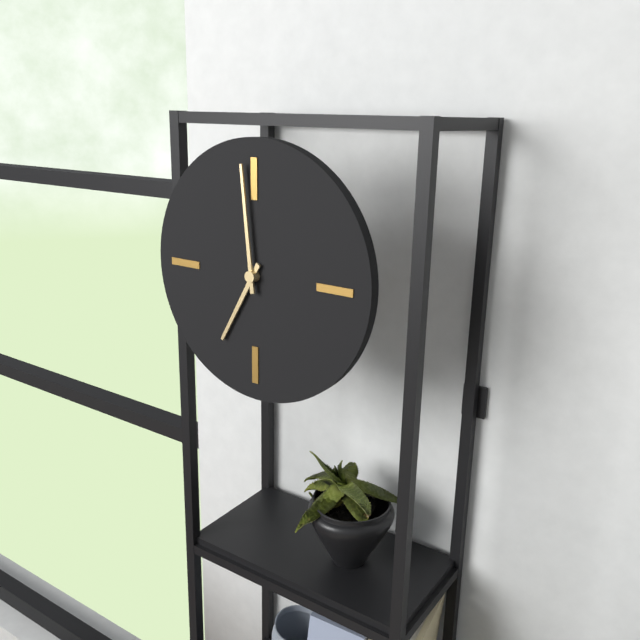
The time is **6:59**
